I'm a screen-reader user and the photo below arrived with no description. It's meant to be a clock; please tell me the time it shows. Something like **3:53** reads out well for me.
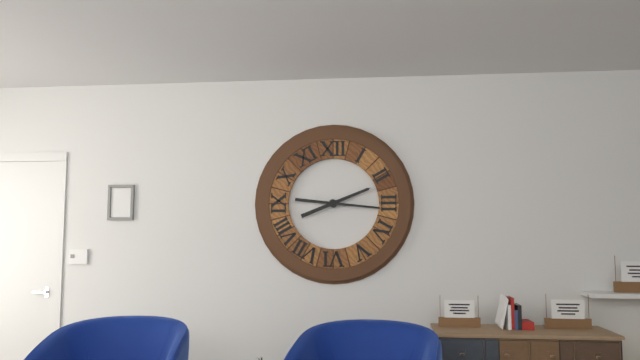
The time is **2:16**
